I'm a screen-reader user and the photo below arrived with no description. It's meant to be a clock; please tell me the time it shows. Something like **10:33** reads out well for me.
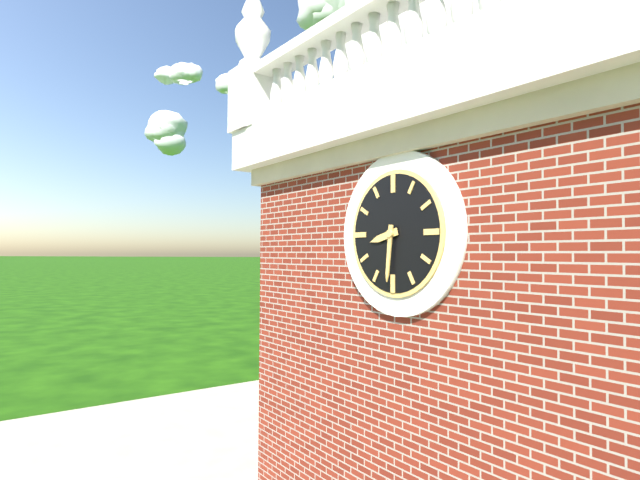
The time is **8:31**
